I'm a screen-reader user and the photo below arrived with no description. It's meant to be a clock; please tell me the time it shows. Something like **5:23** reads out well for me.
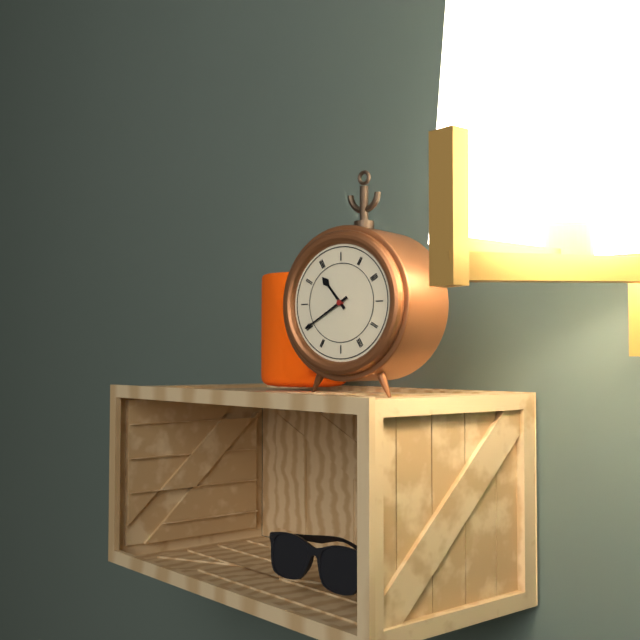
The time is **10:40**
